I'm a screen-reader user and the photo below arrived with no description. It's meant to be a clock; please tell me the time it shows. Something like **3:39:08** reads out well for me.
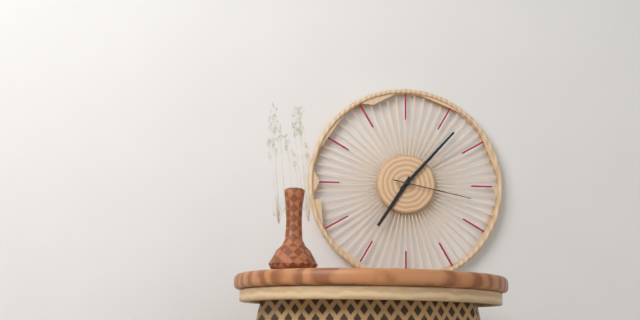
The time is **7:07:17**
